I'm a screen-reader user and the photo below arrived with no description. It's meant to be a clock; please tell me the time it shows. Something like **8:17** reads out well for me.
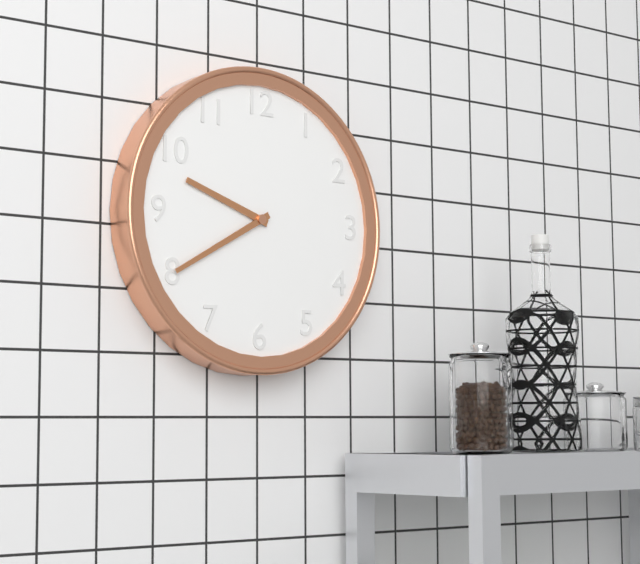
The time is **9:40**
